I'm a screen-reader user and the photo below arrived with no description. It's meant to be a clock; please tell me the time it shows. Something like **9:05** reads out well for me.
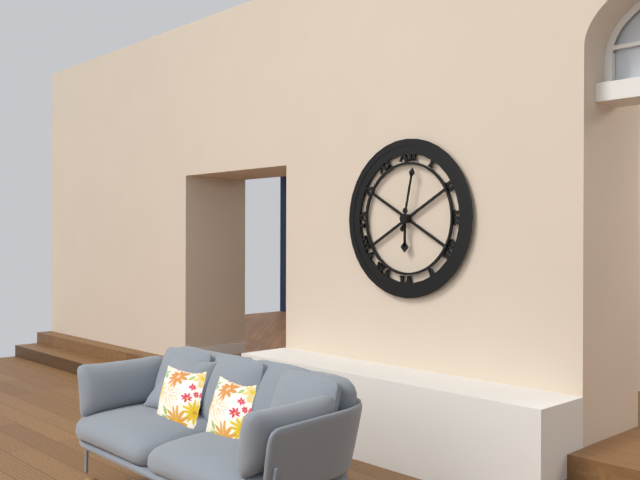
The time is **6:02**
